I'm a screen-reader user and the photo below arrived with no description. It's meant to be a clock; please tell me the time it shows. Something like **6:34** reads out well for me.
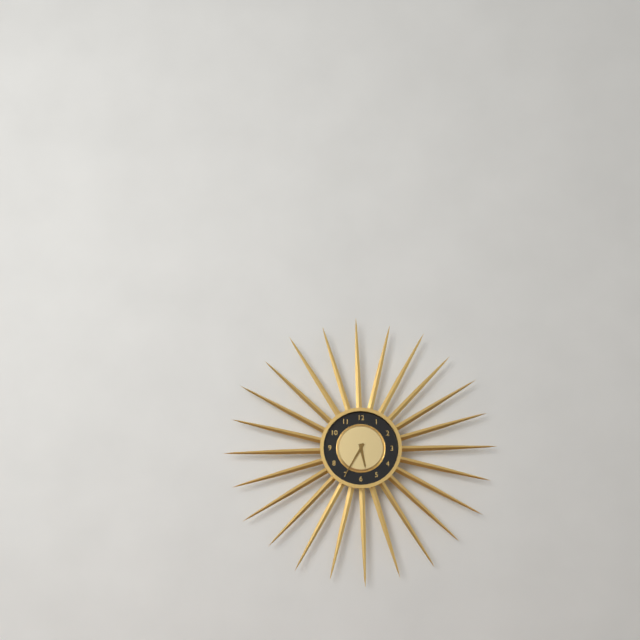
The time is **5:35**
